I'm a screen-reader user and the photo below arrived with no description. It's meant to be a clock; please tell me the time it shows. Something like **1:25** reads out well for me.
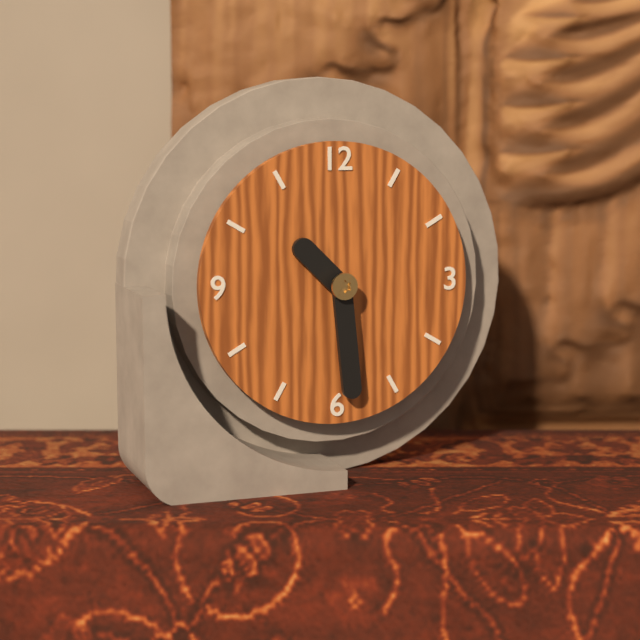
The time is **10:29**
